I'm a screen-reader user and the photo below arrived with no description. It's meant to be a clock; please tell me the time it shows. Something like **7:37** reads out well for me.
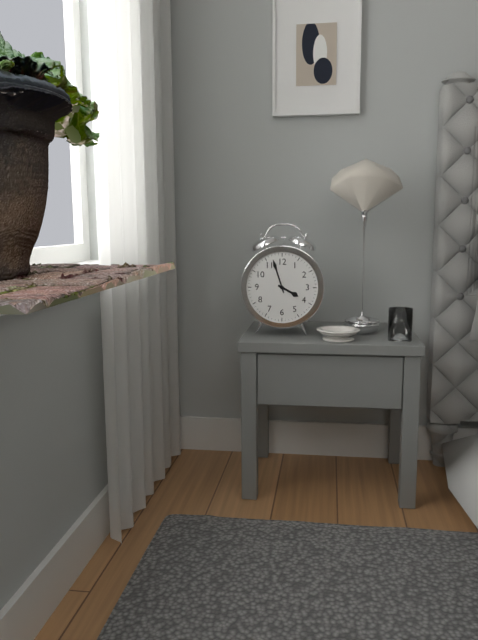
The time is **3:57**
